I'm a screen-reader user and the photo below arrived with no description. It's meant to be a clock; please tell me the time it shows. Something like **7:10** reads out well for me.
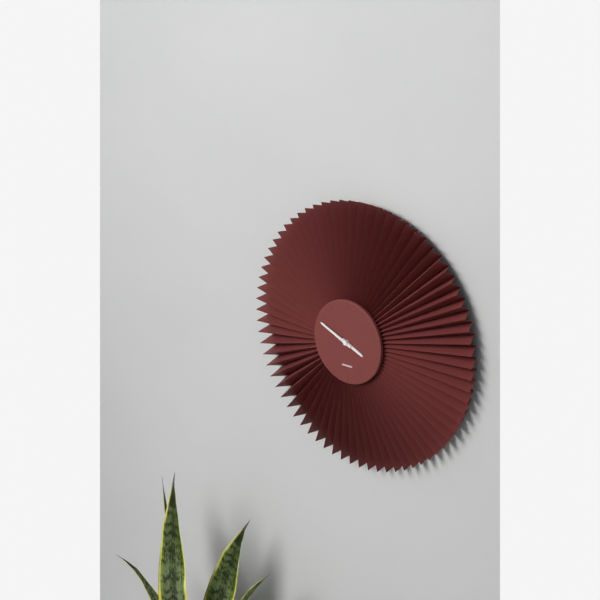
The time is **3:49**
